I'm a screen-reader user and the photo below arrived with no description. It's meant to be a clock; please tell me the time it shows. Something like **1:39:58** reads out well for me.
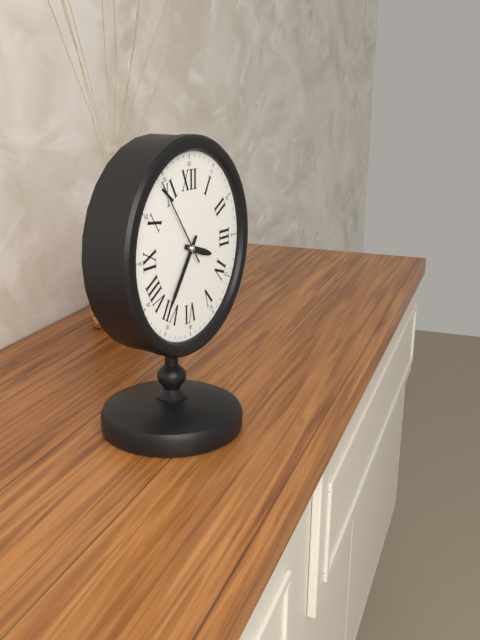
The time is **3:36:54**
